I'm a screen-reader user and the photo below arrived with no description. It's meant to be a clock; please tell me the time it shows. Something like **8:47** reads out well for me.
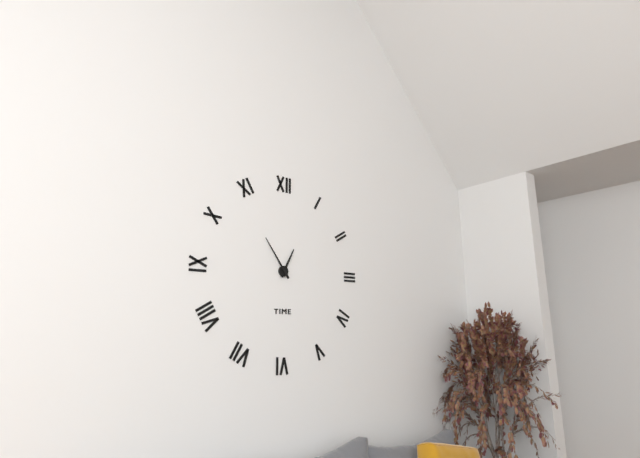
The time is **12:54**
